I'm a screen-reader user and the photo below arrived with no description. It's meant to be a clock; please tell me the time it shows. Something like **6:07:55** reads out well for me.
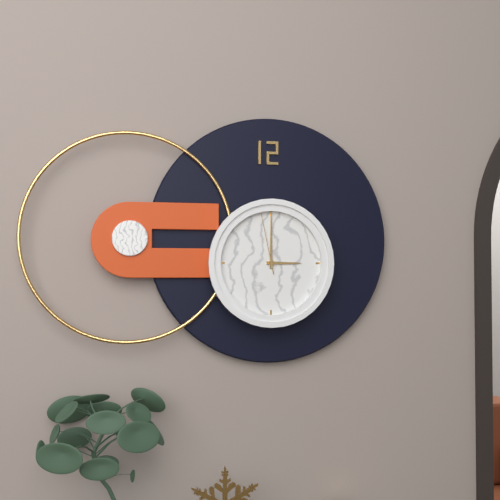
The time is **3:00:58**
